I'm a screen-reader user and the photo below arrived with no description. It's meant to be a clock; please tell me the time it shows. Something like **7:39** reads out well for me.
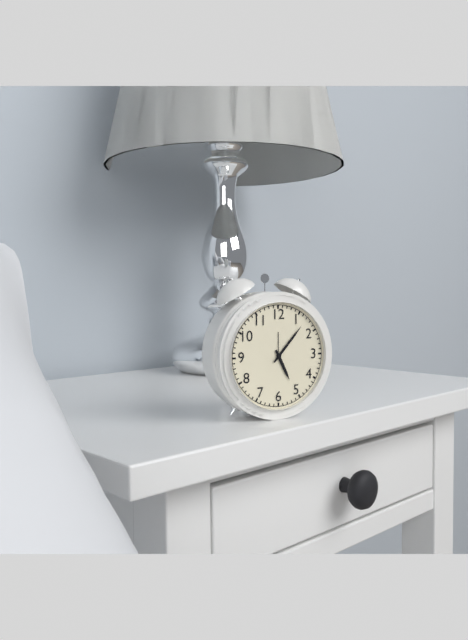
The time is **5:07**
